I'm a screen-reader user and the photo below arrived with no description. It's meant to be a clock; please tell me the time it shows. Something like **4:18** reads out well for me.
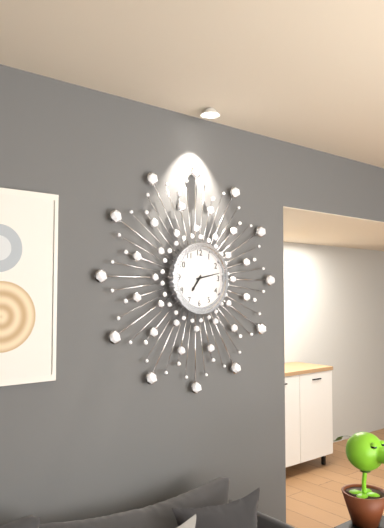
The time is **7:13**
